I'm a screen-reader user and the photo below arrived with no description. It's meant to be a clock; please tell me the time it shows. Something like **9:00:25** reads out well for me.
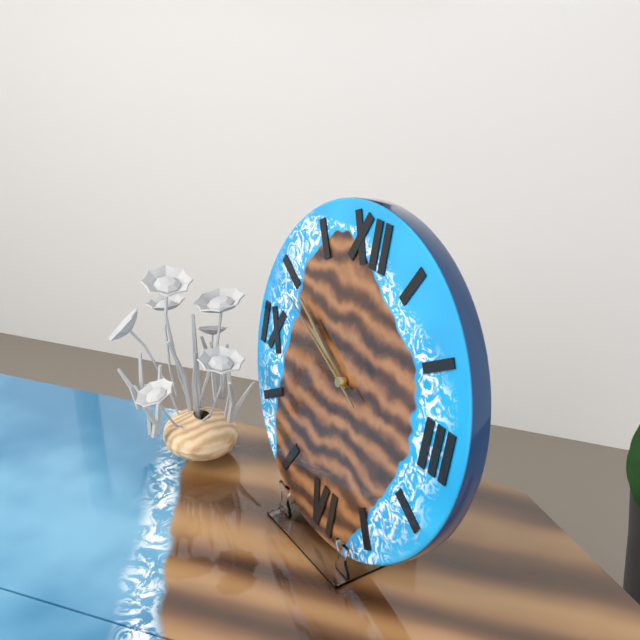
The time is **9:50:49**
